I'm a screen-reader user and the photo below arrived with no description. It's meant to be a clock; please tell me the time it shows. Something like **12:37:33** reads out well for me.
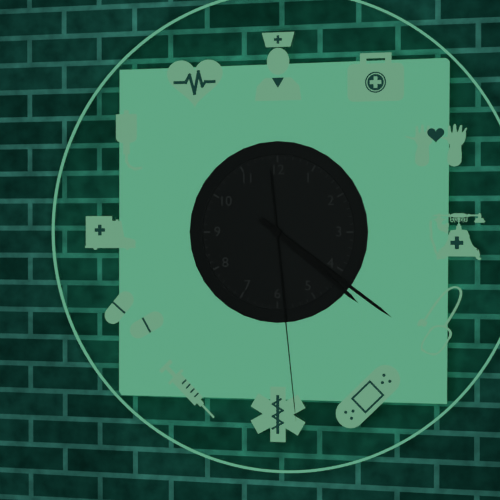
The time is **4:21:29**
